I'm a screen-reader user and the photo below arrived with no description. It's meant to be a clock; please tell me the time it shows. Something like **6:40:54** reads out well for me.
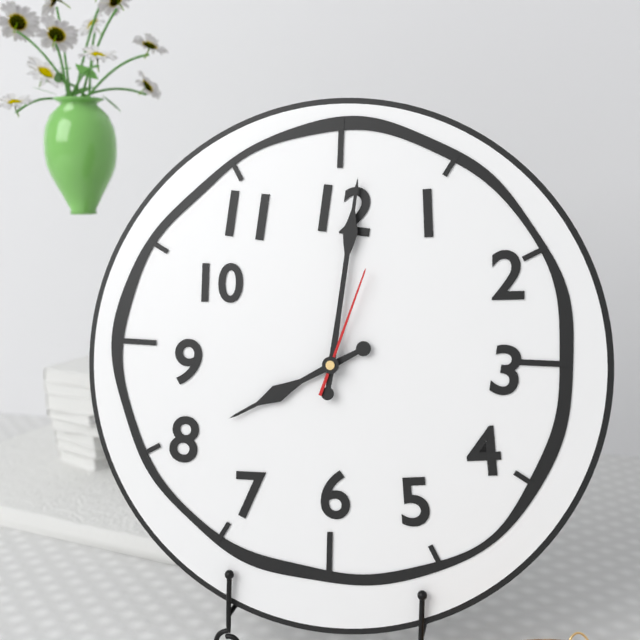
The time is **8:01:03**
